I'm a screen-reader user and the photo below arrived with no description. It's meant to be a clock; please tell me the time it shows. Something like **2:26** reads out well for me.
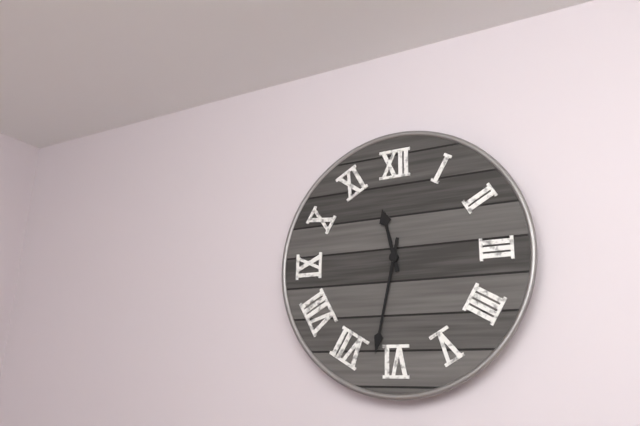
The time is **11:32**
